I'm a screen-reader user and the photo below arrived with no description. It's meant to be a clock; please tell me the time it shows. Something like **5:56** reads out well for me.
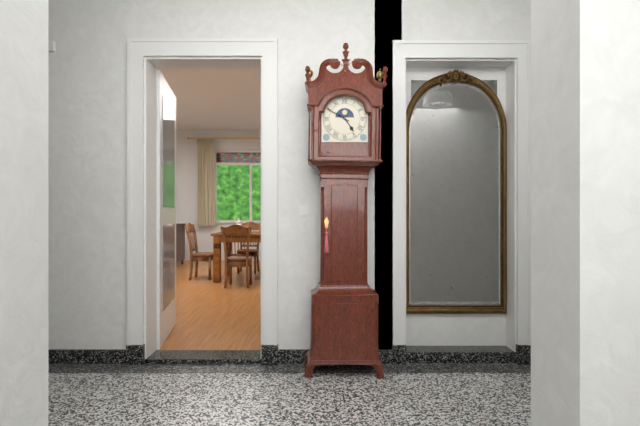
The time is **4:50**
